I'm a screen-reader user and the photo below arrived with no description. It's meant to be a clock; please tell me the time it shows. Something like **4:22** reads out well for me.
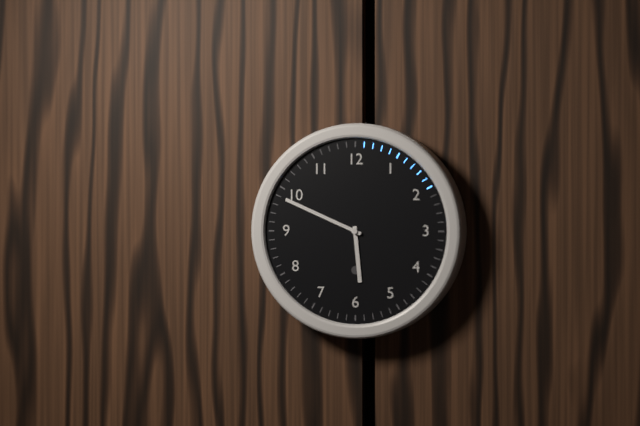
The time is **5:49**
